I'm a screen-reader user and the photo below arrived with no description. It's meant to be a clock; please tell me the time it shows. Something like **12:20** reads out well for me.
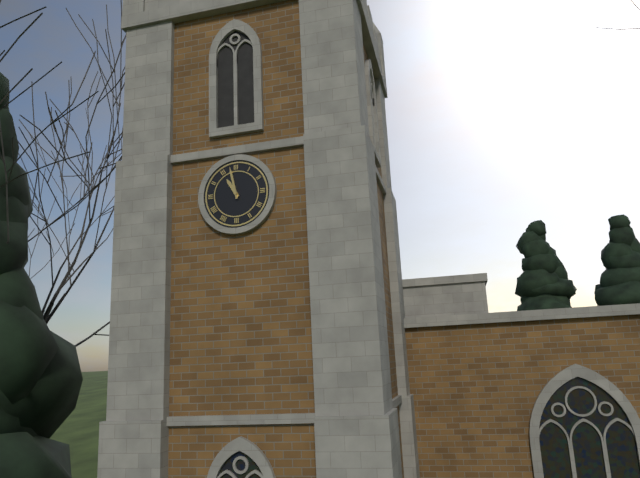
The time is **10:58**
